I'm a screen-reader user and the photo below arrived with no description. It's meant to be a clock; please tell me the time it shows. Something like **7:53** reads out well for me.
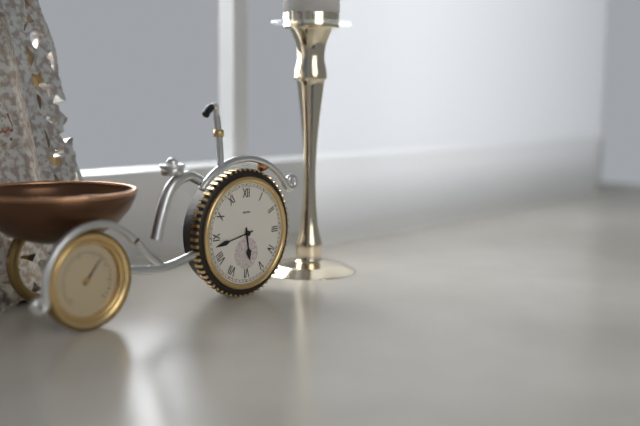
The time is **5:43**
